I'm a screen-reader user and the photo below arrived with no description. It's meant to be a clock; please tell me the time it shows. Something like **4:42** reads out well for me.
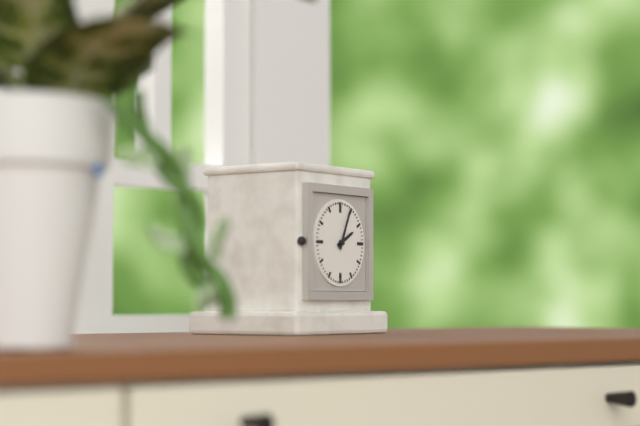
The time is **2:04**
